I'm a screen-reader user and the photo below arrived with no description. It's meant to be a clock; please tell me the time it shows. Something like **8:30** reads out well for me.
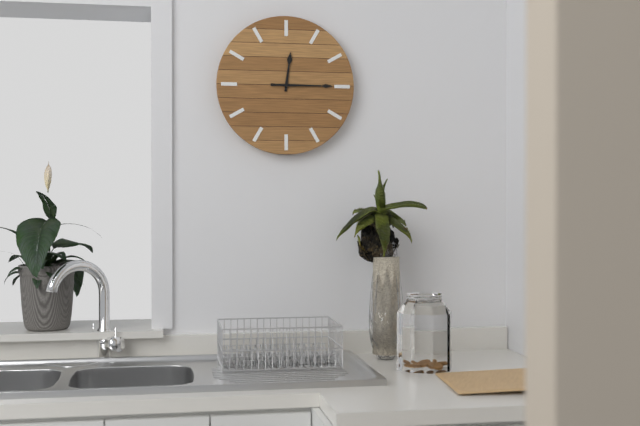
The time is **12:15**
